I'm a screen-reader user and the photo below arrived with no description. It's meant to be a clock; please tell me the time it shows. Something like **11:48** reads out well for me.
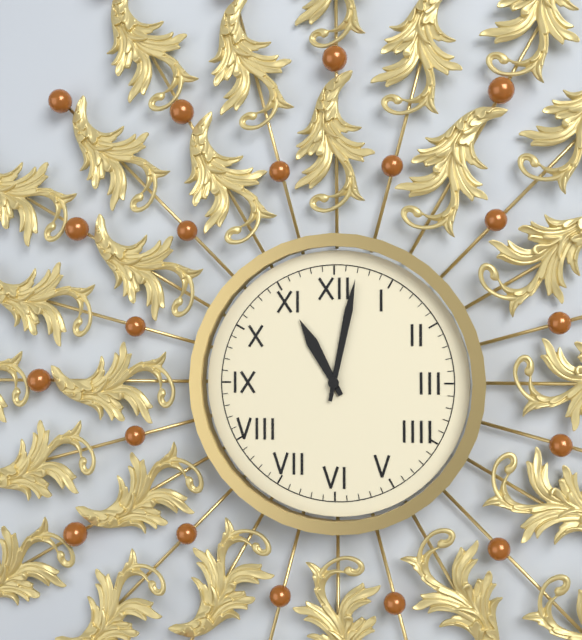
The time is **11:02**
